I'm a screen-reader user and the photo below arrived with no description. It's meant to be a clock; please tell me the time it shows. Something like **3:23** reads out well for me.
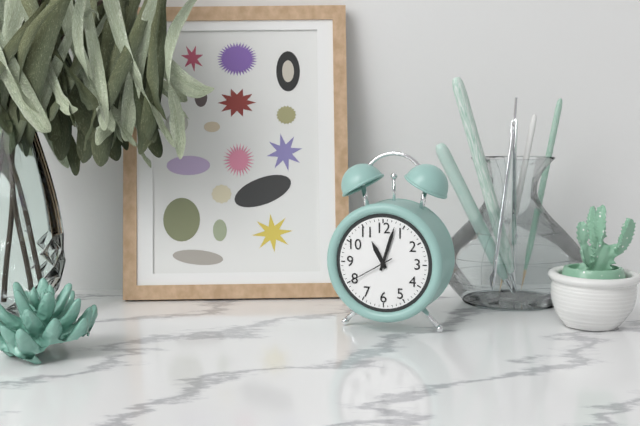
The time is **11:03**
